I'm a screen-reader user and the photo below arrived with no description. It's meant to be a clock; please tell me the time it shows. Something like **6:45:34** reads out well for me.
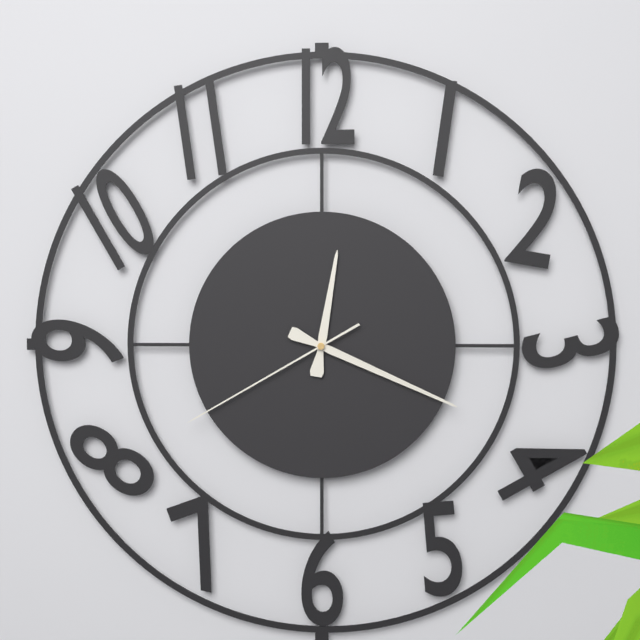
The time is **12:19:40**
